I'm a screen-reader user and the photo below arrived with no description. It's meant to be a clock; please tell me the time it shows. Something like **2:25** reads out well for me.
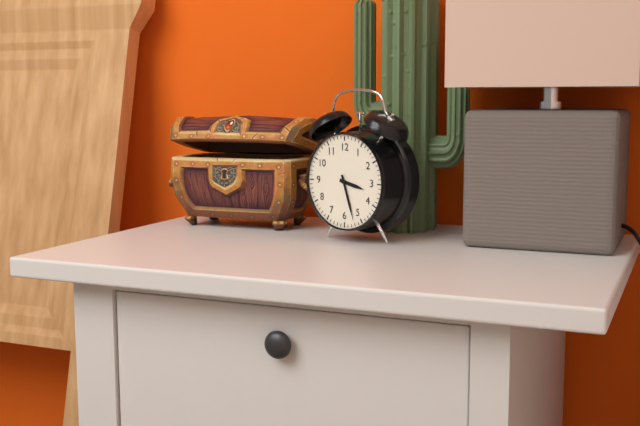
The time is **3:27**
